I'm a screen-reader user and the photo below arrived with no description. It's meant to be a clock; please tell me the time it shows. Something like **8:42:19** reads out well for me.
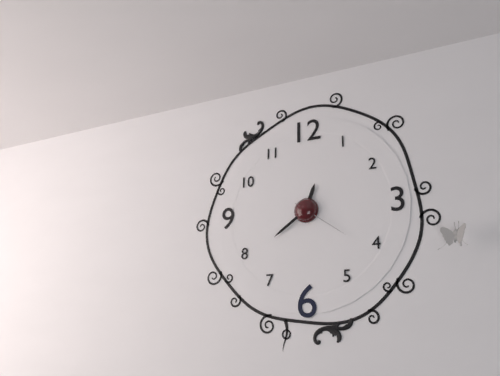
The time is **12:39:21**
